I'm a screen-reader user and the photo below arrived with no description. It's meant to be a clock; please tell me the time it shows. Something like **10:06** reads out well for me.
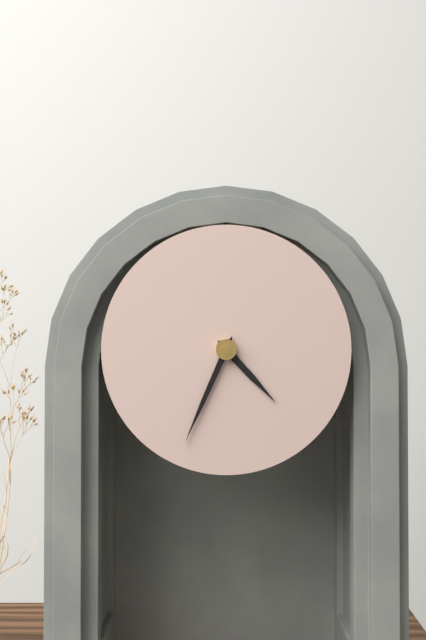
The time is **4:34**
